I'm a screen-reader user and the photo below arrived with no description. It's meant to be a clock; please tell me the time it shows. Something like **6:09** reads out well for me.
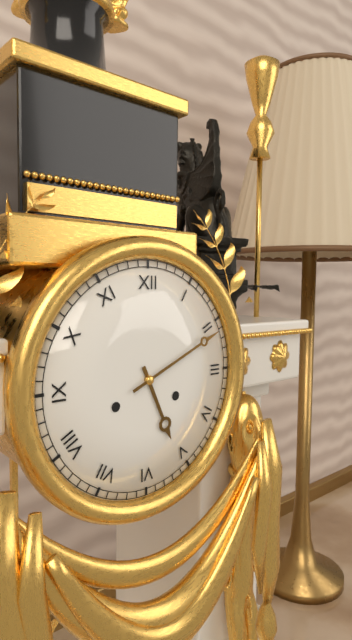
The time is **5:11**
